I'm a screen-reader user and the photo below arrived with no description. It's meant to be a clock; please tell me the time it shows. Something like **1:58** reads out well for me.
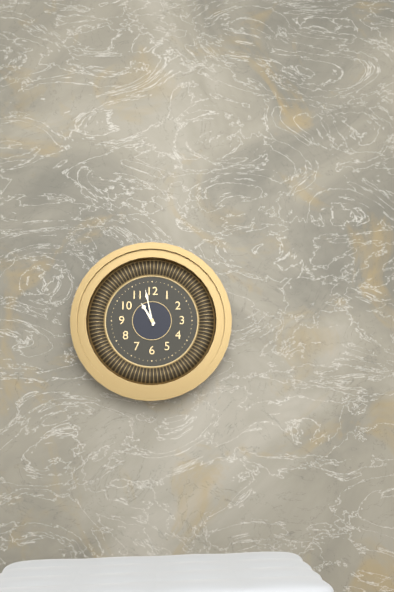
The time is **10:58**
